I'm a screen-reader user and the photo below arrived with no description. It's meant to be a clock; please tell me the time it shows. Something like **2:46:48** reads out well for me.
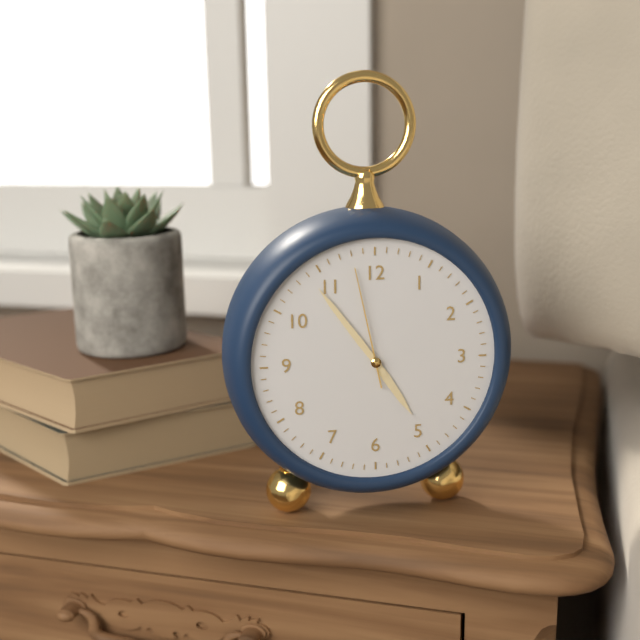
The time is **4:54:58**
